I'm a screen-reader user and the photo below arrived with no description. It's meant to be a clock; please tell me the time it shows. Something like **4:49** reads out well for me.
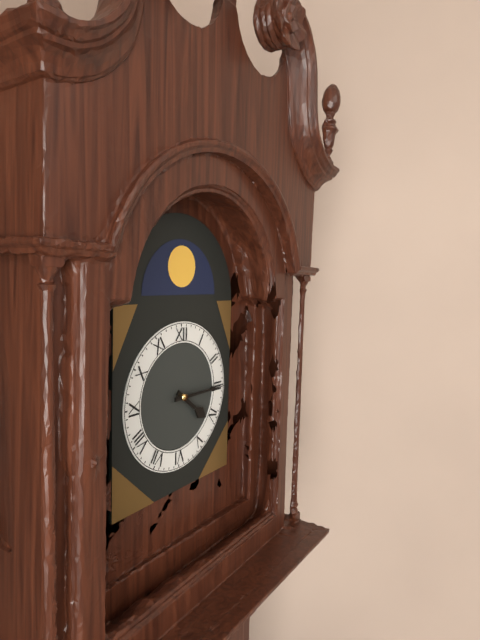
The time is **4:15**
